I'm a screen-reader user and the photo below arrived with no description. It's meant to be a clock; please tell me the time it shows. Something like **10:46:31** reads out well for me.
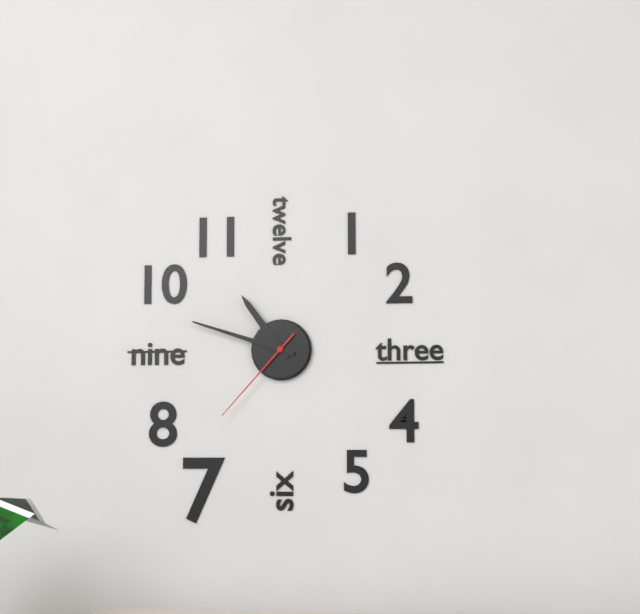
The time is **10:48:37**
